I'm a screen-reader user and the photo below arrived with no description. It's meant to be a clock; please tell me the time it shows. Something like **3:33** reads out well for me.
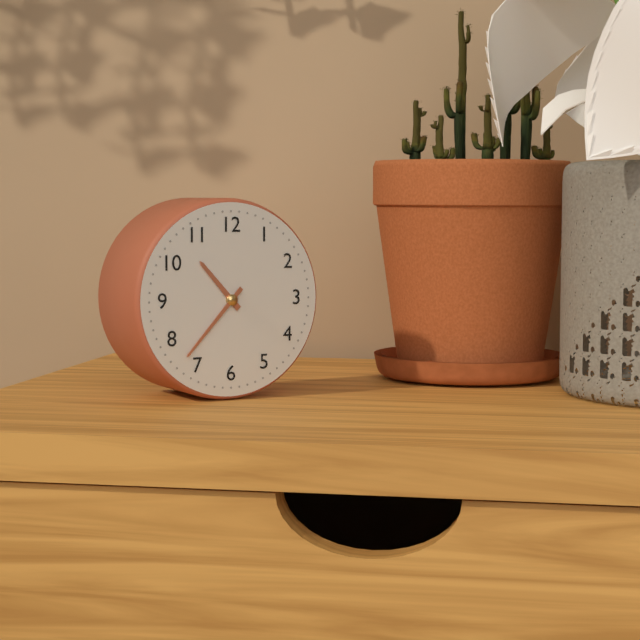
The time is **10:37**
